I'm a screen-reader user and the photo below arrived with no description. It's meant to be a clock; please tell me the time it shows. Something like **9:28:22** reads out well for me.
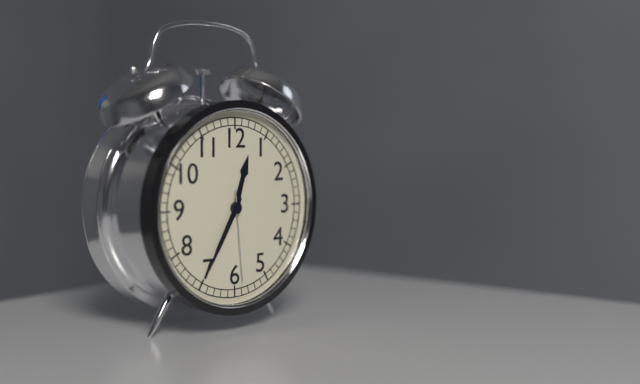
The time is **12:35:29**
